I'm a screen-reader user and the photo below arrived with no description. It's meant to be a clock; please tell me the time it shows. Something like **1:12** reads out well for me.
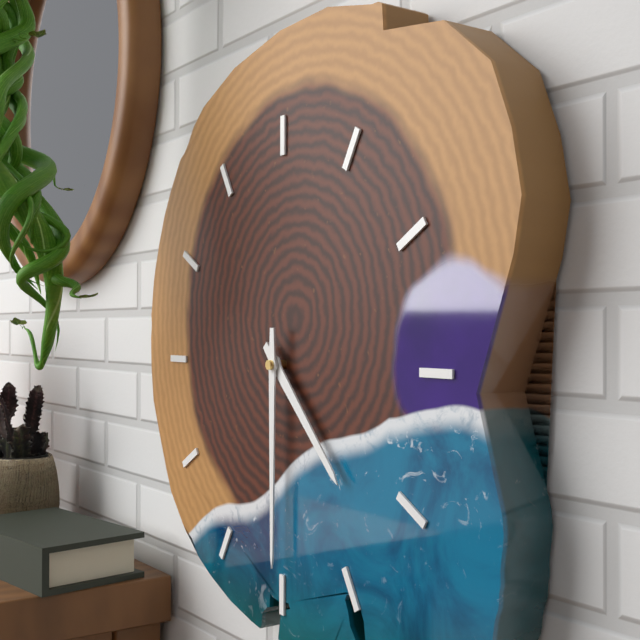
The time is **4:30**
